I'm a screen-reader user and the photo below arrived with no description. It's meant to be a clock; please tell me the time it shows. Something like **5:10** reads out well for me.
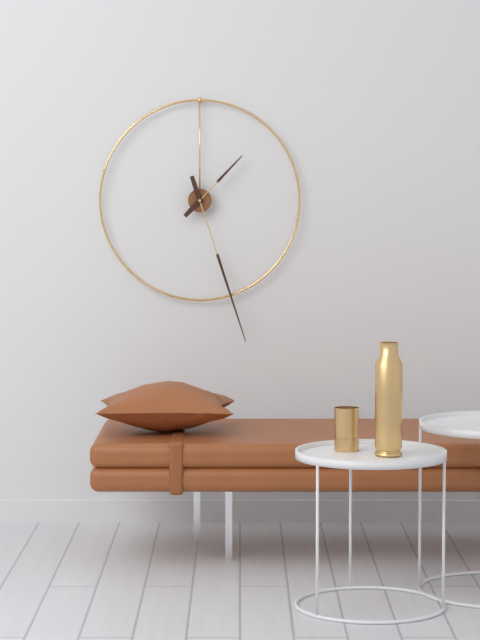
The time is **1:27**
